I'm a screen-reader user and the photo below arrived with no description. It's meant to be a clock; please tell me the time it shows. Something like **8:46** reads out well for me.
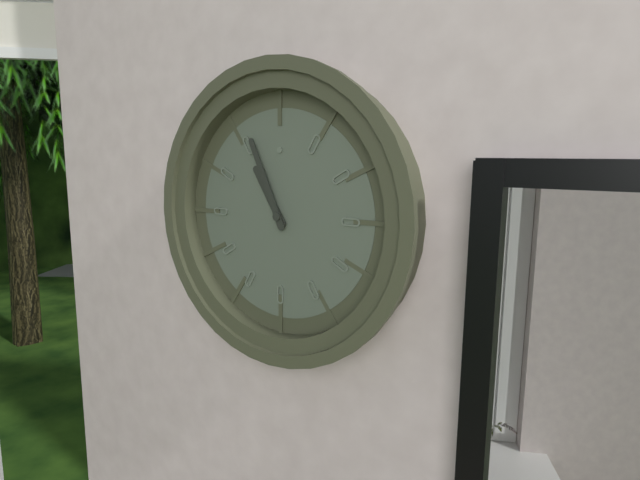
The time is **10:56**
